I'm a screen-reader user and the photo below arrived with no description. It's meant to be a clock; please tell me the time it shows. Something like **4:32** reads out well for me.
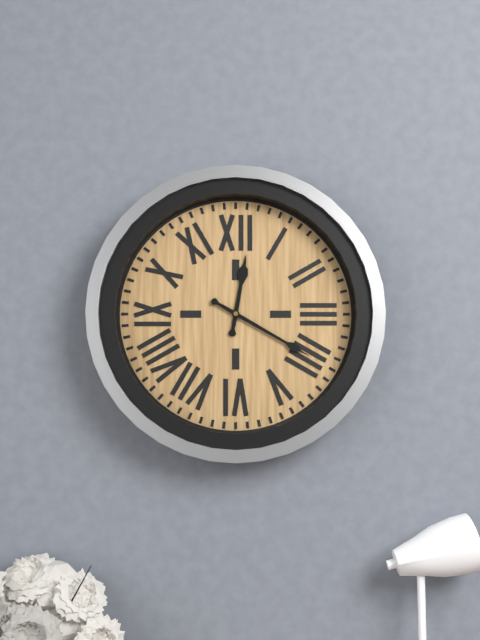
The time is **12:20**
